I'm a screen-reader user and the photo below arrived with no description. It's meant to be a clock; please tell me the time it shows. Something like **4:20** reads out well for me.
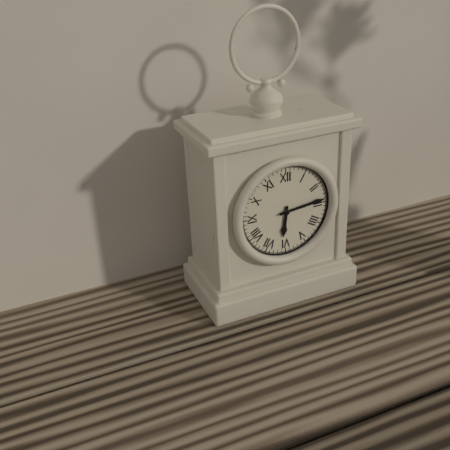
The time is **6:14**
